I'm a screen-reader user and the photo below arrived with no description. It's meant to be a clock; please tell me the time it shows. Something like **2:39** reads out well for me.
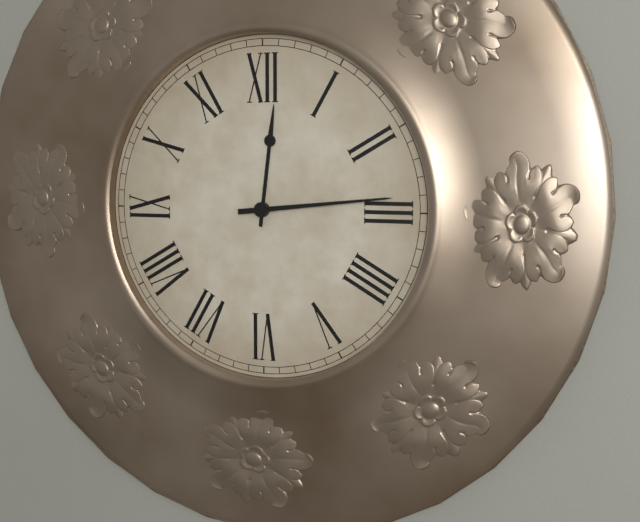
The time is **12:14**
